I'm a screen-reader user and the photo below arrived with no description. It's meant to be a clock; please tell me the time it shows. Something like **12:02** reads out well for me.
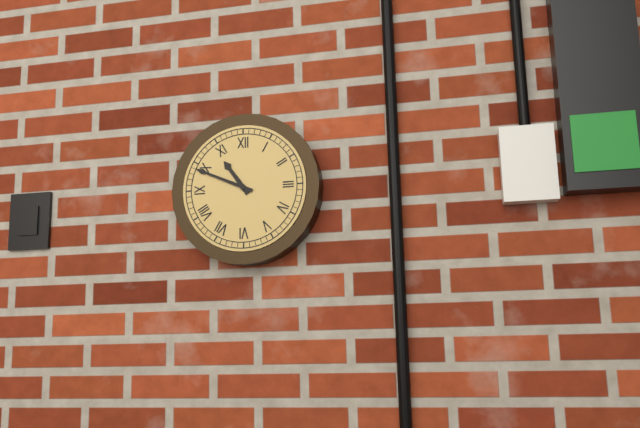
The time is **10:49**
